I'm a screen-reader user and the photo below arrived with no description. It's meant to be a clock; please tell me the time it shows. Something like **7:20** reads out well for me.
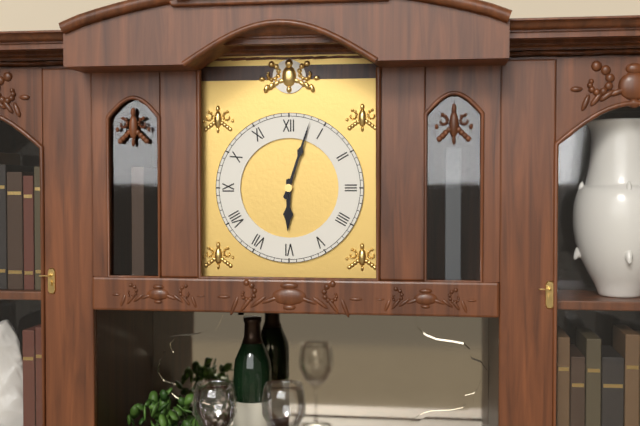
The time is **6:03**
